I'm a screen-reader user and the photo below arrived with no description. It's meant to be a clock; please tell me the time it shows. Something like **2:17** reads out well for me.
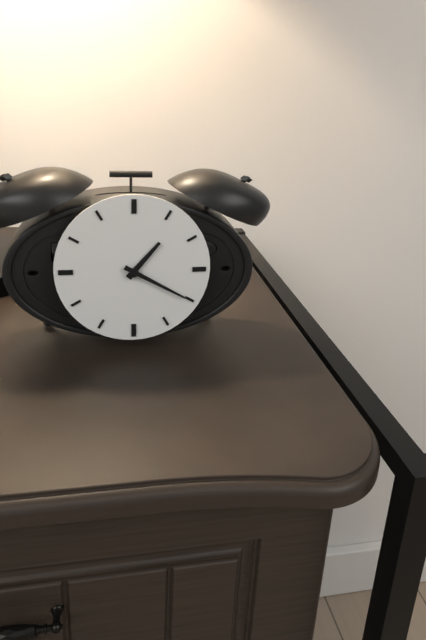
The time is **1:20**
